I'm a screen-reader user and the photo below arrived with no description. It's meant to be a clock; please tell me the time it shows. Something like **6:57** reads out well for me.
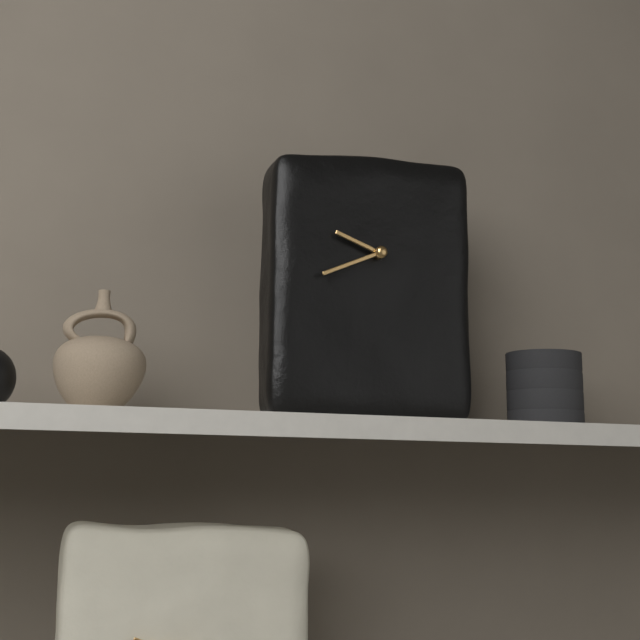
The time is **9:41**
